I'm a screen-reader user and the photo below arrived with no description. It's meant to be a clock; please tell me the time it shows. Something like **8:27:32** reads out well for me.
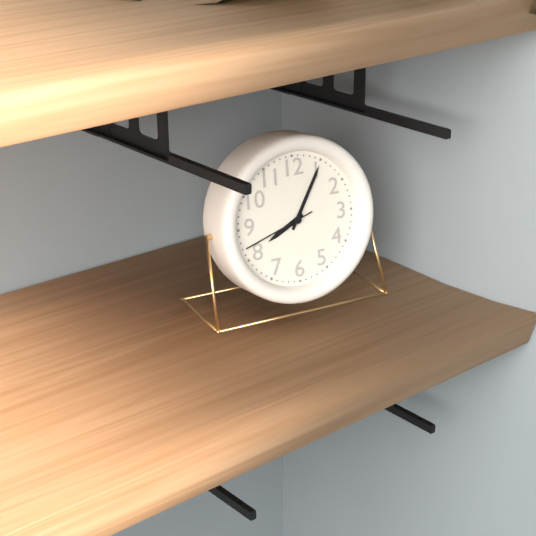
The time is **8:05:42**
